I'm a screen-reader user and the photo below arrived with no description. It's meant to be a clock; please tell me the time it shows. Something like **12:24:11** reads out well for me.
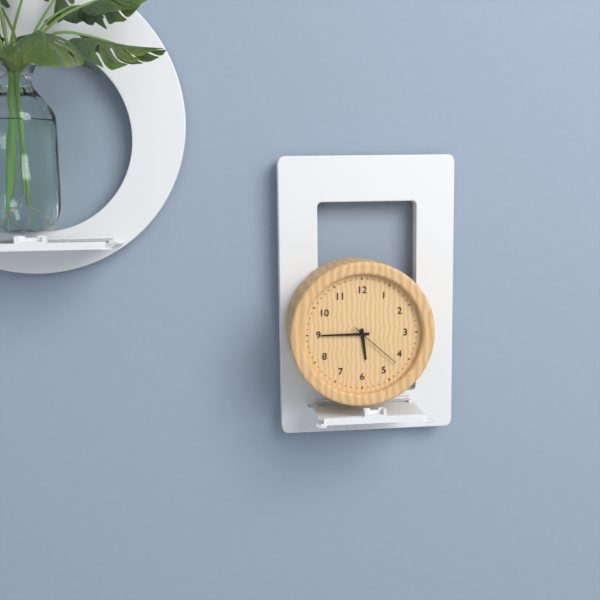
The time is **5:45:22**
